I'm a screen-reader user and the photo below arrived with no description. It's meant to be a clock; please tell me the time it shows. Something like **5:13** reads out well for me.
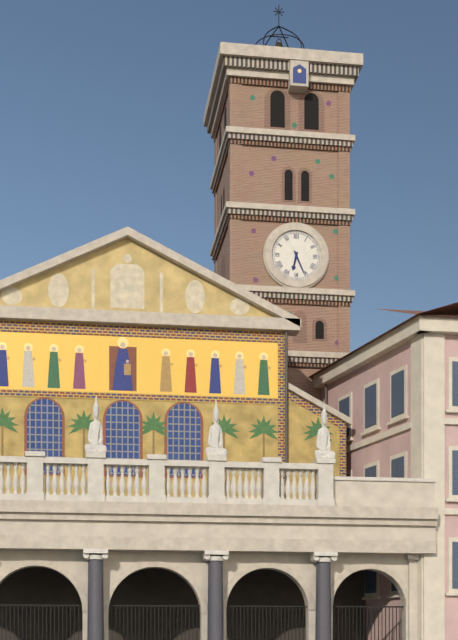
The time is **6:26**
